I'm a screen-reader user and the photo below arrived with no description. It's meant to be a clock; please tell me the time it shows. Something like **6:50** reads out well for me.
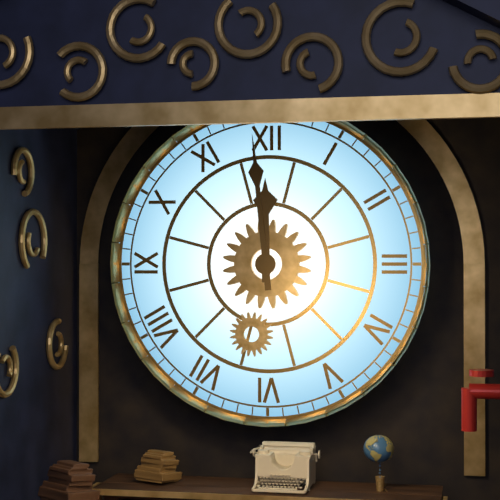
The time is **11:59**
